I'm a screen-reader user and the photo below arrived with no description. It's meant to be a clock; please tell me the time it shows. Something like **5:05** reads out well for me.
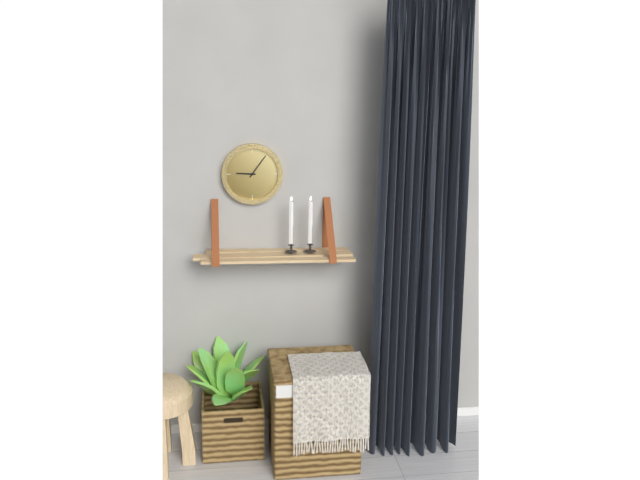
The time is **9:06**
